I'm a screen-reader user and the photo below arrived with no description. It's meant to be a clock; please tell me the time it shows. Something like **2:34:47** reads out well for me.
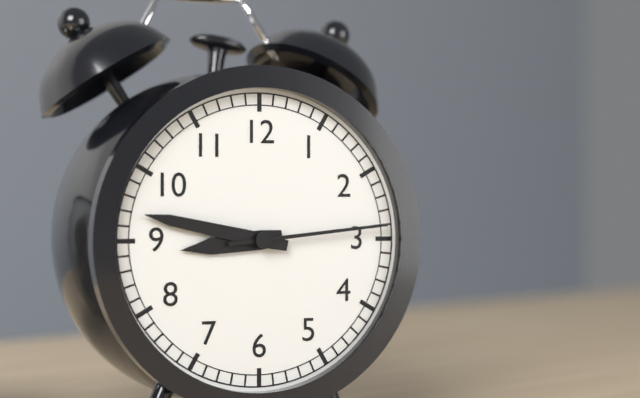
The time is **8:47:14**
